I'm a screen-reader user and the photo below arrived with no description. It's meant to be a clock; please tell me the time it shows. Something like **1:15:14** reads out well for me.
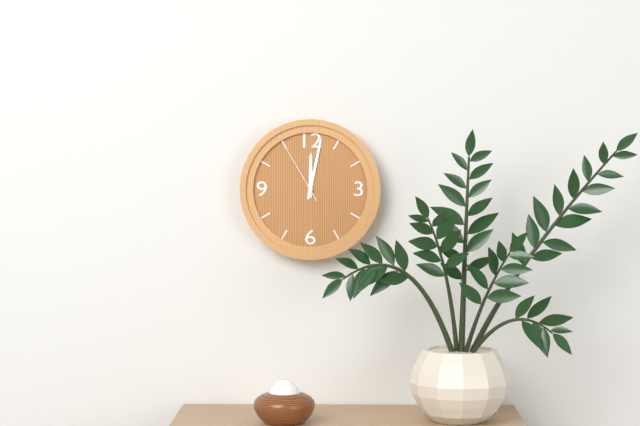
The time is **12:02:55**
